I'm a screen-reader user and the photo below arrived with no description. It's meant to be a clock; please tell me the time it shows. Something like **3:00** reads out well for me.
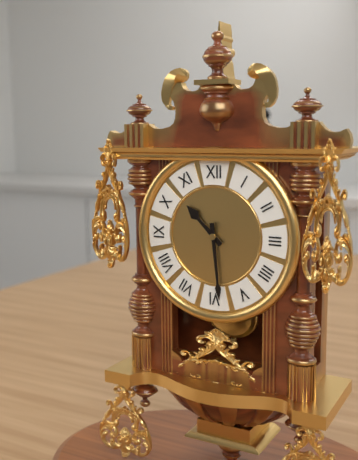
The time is **10:29**
